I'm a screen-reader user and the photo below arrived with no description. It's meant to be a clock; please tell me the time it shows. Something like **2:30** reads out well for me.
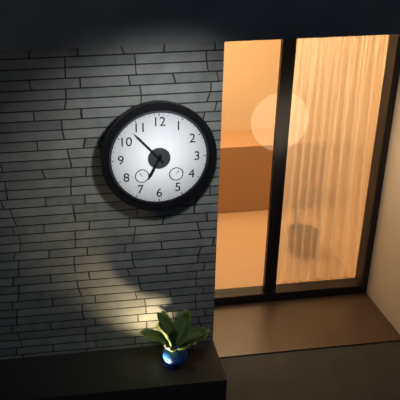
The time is **6:53**
